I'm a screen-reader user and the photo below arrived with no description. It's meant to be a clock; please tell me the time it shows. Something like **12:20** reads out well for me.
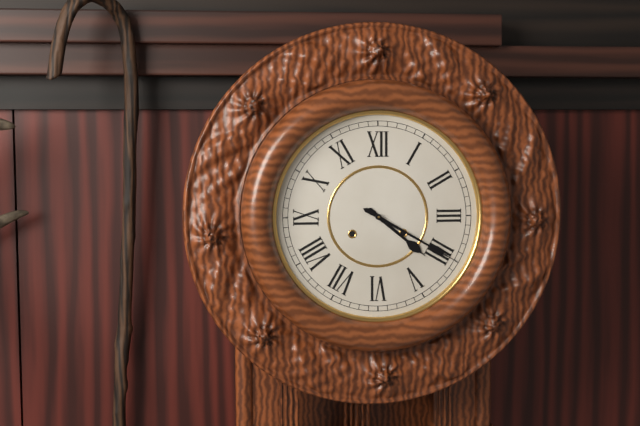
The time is **4:20**
